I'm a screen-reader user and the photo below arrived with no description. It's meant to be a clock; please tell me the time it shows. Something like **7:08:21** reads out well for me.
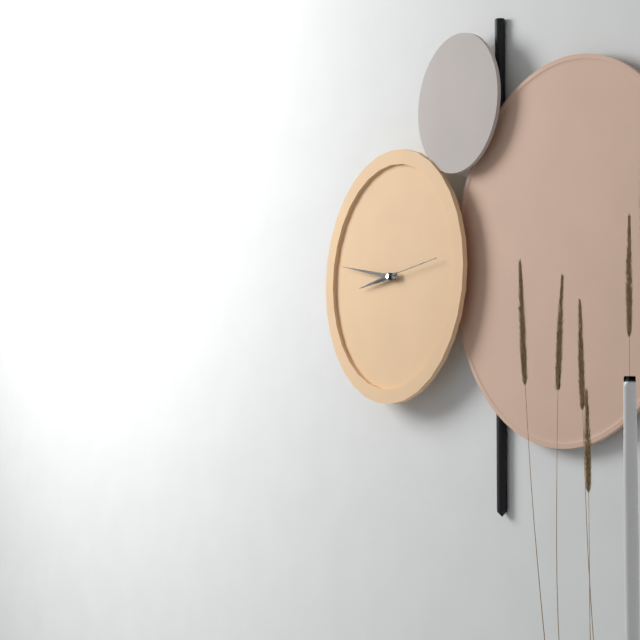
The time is **8:47:14**
